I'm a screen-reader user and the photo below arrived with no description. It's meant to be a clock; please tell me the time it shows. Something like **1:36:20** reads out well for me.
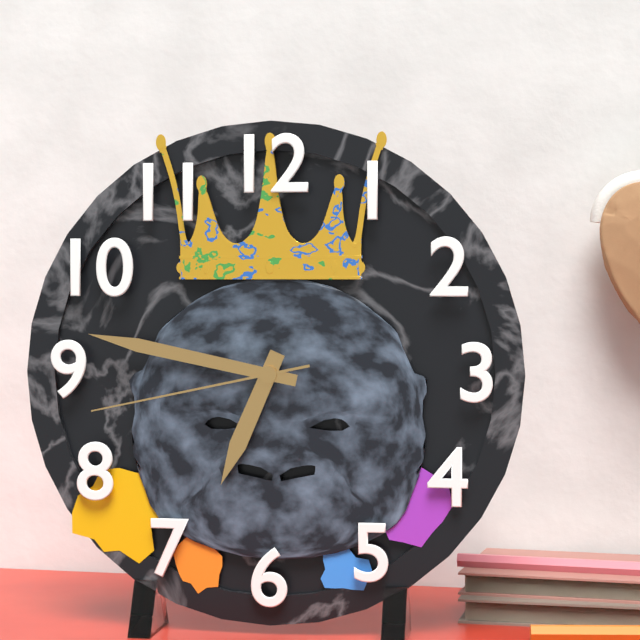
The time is **6:47:43**
